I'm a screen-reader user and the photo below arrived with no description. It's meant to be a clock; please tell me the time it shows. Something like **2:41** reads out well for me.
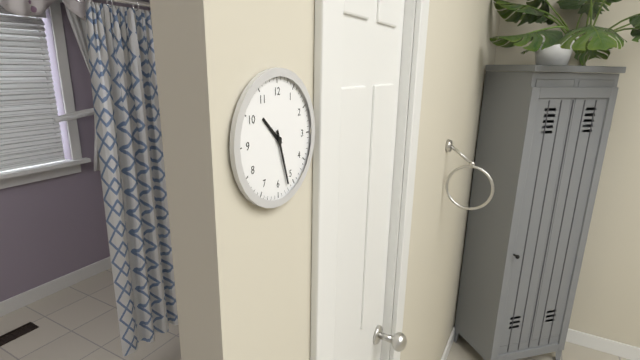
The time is **10:27**
